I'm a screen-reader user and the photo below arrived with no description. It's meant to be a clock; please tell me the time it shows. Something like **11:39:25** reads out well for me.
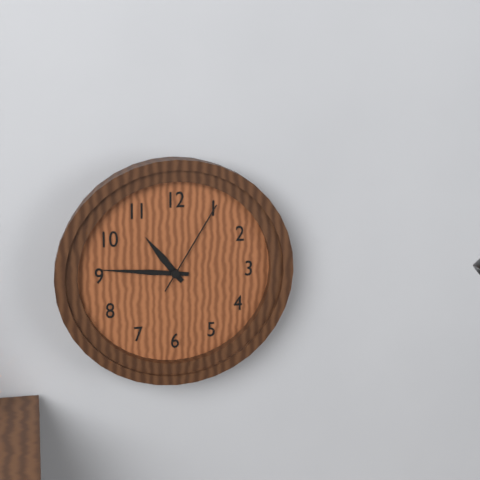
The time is **10:46:05**
